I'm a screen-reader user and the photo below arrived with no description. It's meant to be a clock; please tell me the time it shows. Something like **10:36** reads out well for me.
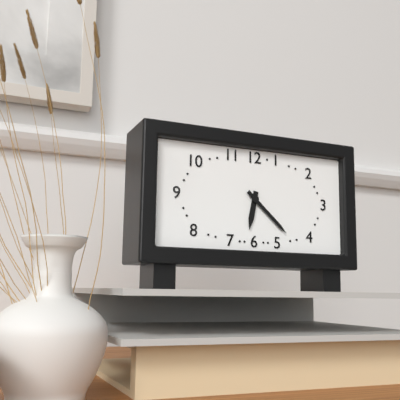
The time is **6:22**
